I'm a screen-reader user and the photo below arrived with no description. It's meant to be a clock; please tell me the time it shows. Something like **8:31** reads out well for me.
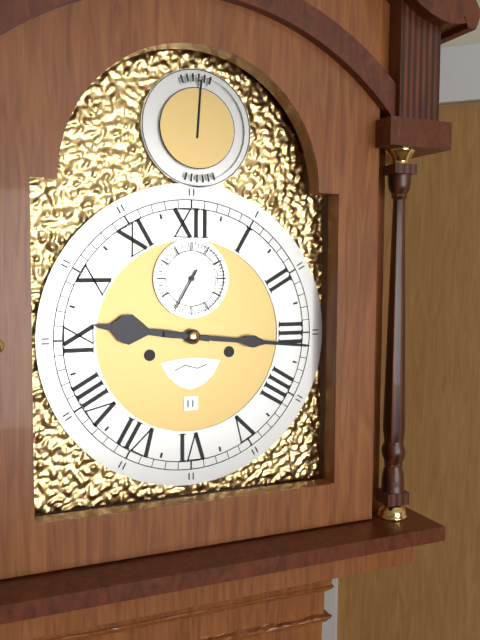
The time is **9:16**
